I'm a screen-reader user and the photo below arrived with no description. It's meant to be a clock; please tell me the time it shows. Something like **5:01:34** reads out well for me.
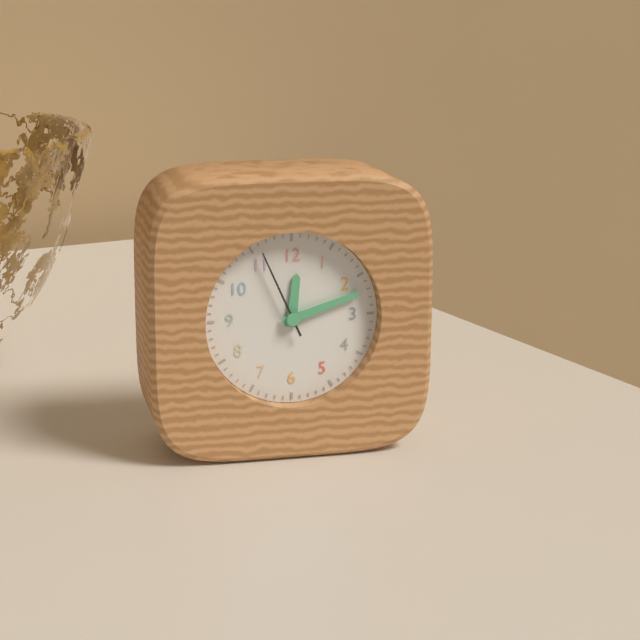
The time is **12:12:56**
